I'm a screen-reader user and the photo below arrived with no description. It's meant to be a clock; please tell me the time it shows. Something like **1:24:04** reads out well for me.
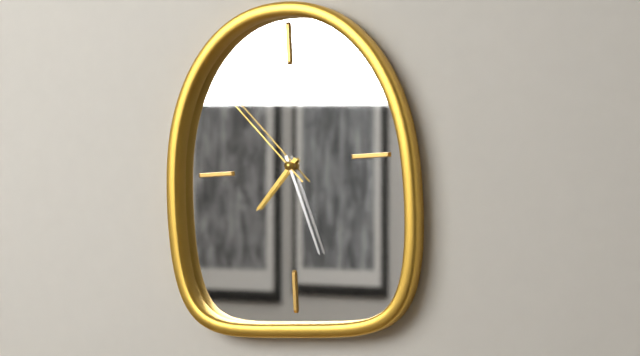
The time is **7:27:53**
